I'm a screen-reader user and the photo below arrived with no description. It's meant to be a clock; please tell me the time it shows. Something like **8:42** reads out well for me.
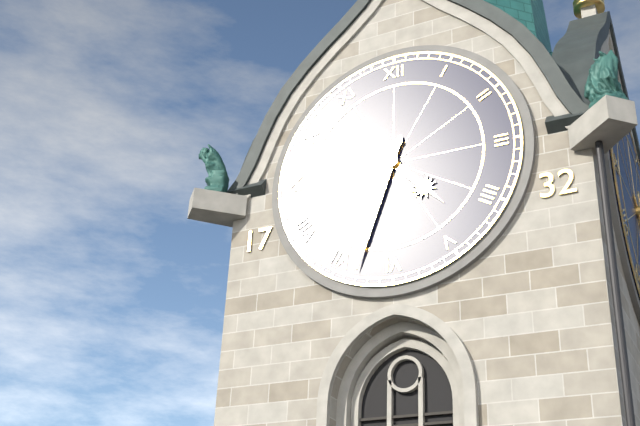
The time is **4:33**
